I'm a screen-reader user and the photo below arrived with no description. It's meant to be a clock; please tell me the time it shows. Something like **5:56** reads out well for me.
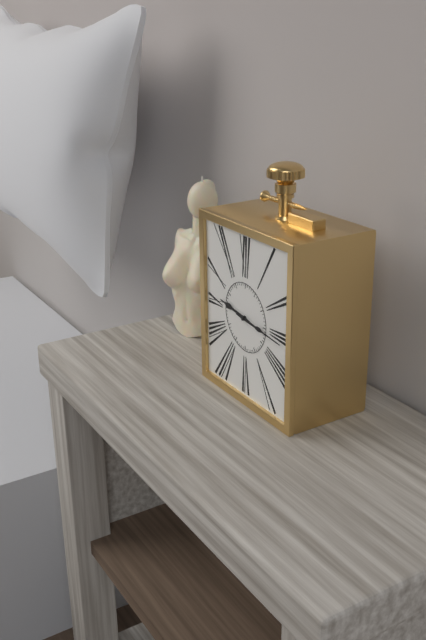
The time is **9:16**
